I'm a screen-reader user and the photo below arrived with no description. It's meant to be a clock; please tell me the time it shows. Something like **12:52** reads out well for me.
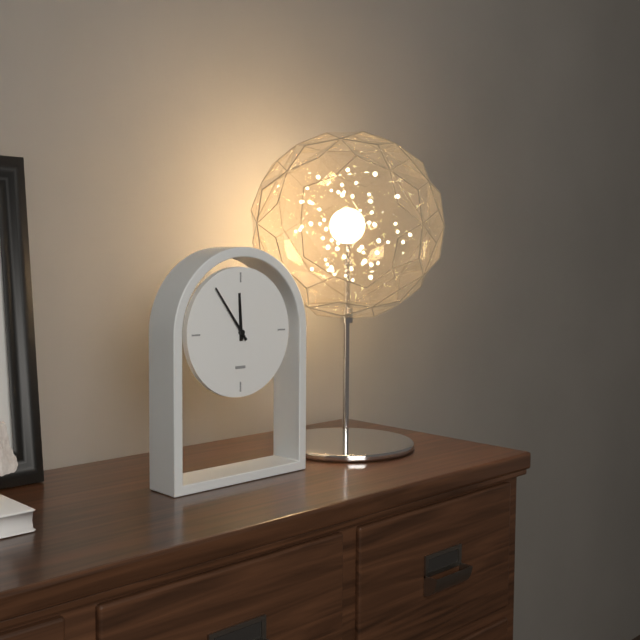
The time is **11:54**
